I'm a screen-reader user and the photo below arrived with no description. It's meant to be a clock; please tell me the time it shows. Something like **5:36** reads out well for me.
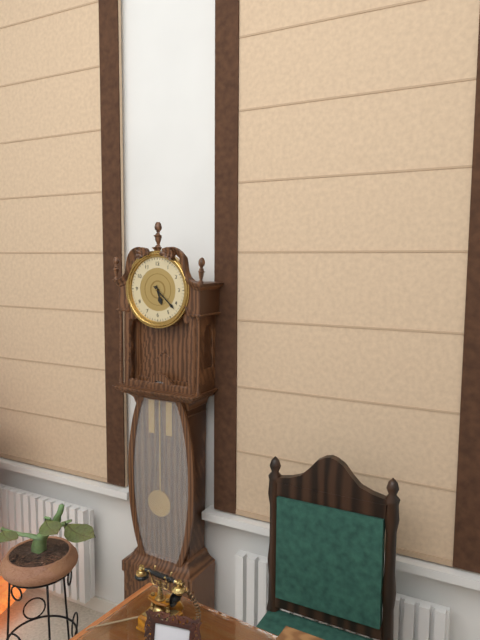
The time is **5:22**
